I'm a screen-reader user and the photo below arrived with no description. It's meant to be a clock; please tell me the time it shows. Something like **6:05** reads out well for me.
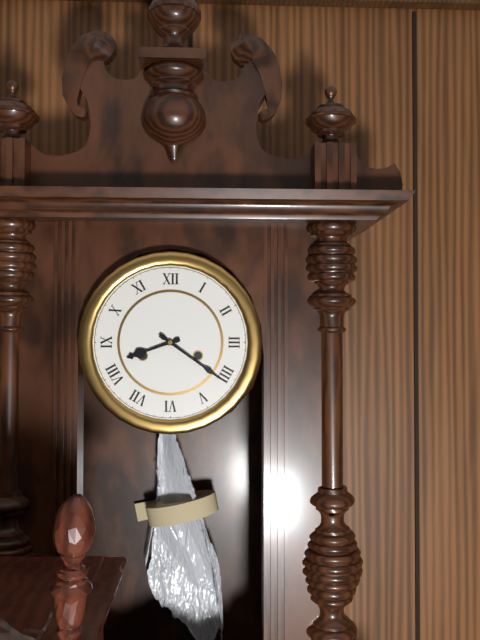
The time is **8:21**
